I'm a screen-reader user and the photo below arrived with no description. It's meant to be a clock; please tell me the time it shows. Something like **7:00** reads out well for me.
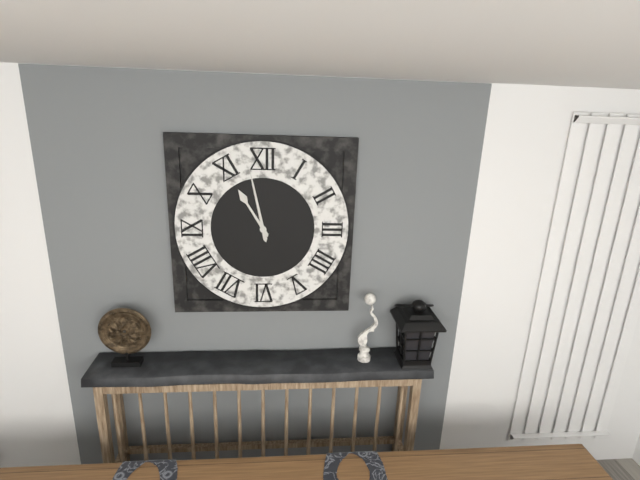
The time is **10:58**
